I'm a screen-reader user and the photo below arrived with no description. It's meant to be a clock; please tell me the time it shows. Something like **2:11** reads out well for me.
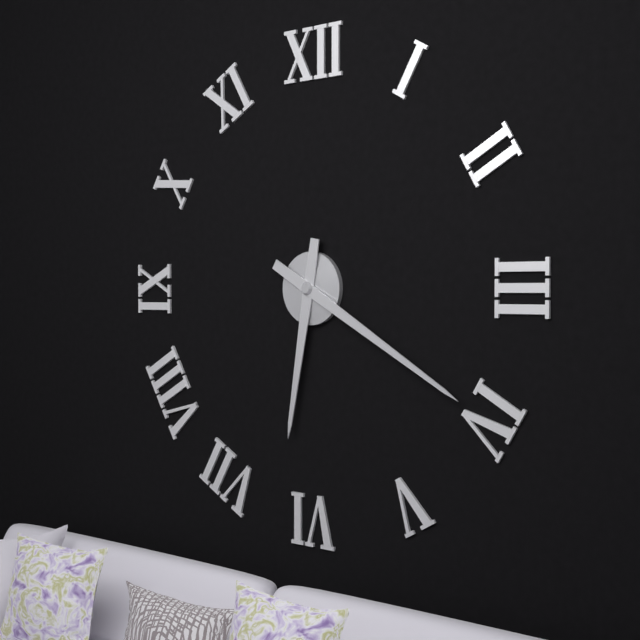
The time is **6:20**
